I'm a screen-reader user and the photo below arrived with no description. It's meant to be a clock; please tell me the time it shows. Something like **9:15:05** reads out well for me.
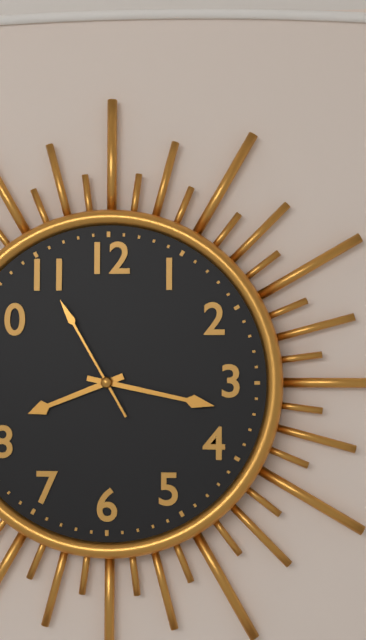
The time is **8:17:55**
